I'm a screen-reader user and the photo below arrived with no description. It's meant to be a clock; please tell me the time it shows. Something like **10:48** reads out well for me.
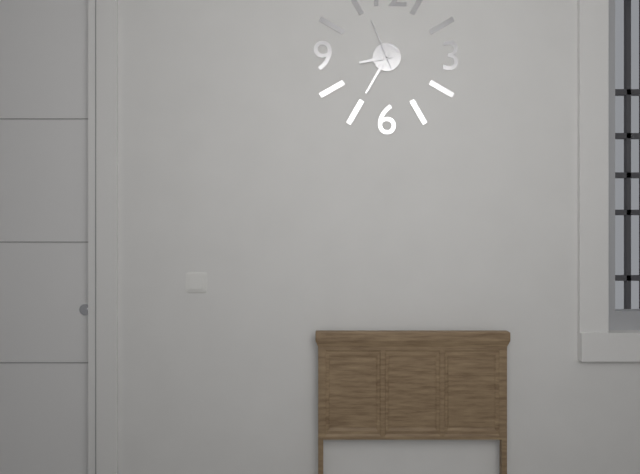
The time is **8:35**
